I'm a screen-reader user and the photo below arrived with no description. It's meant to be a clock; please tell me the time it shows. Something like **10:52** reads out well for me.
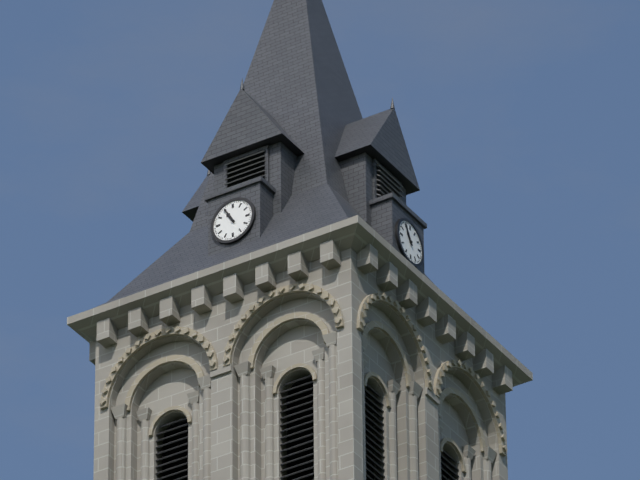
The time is **10:55**
